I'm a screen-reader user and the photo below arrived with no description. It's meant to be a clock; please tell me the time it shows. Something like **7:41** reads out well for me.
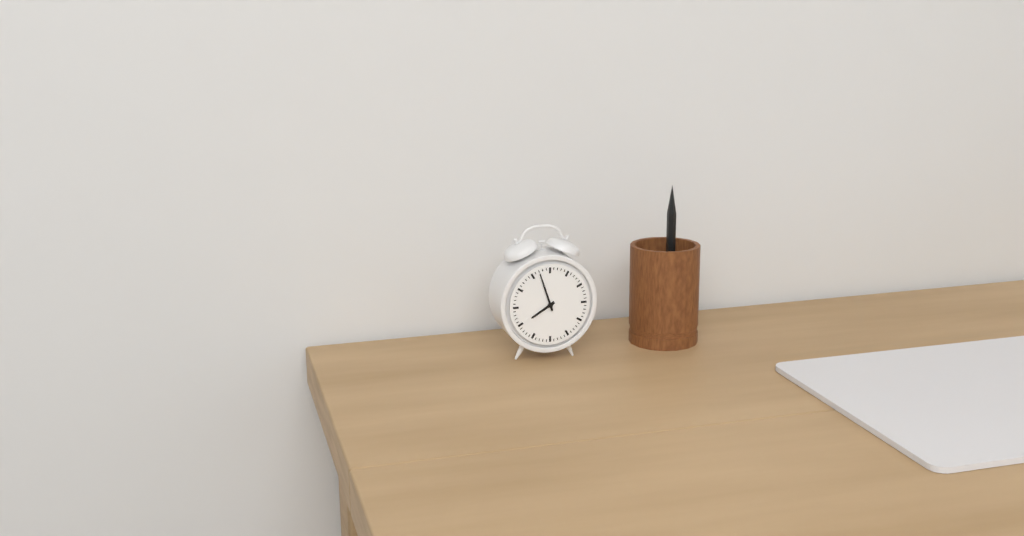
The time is **7:57**
